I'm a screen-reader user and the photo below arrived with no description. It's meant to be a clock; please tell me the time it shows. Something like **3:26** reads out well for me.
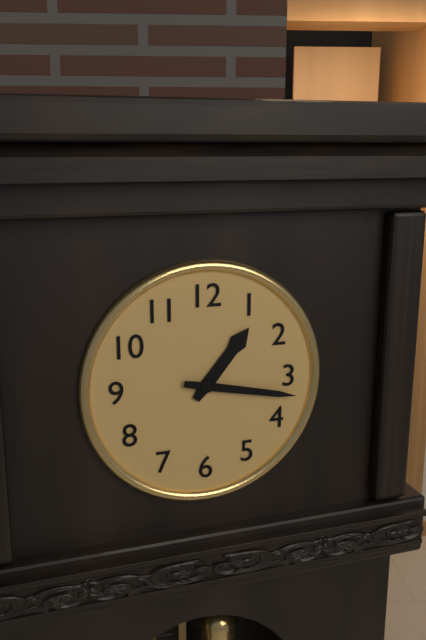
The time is **1:17**
